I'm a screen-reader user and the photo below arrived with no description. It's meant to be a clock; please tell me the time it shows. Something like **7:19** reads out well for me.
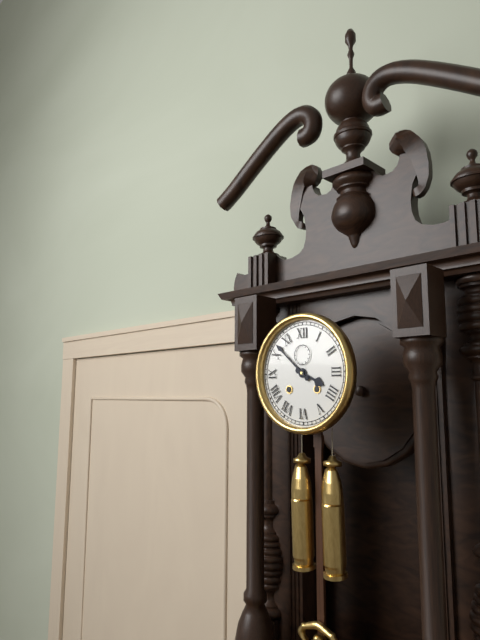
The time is **3:52**
